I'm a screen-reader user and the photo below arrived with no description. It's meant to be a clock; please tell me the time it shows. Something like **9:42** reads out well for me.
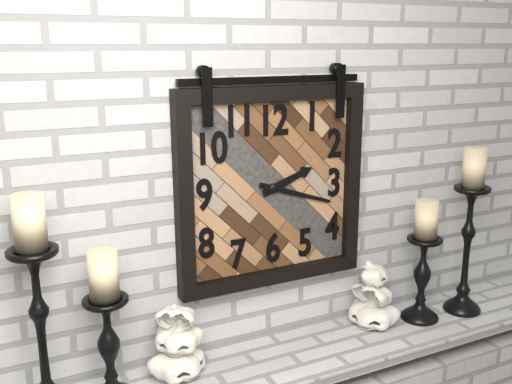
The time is **2:18**
